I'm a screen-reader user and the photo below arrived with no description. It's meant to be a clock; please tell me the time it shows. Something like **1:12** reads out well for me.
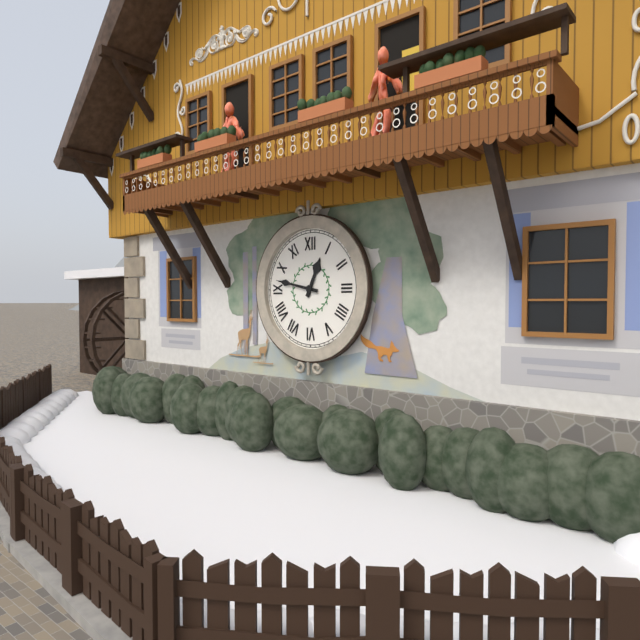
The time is **12:47**
